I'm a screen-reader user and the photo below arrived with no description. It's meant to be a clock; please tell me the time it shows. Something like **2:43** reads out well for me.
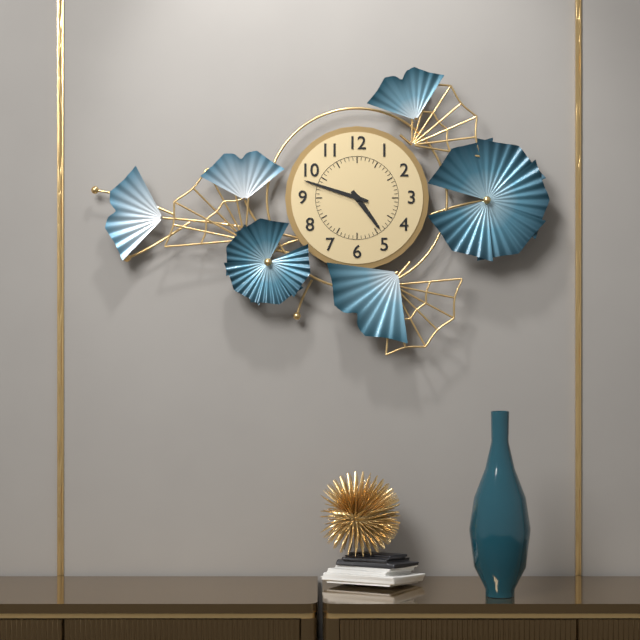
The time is **4:48**
